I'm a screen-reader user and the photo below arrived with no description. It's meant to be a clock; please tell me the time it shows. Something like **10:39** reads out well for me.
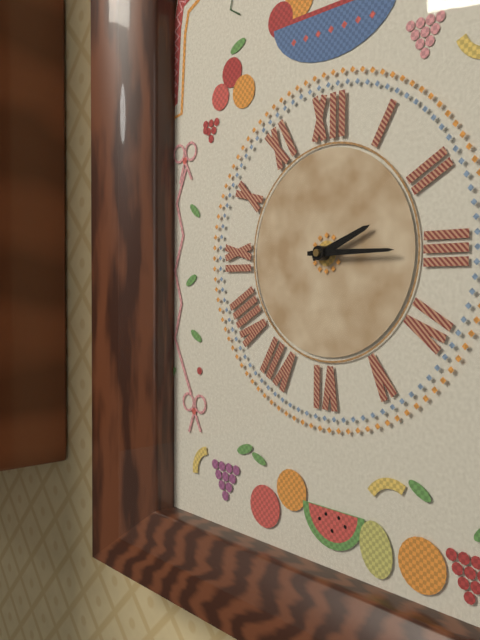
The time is **2:15**
